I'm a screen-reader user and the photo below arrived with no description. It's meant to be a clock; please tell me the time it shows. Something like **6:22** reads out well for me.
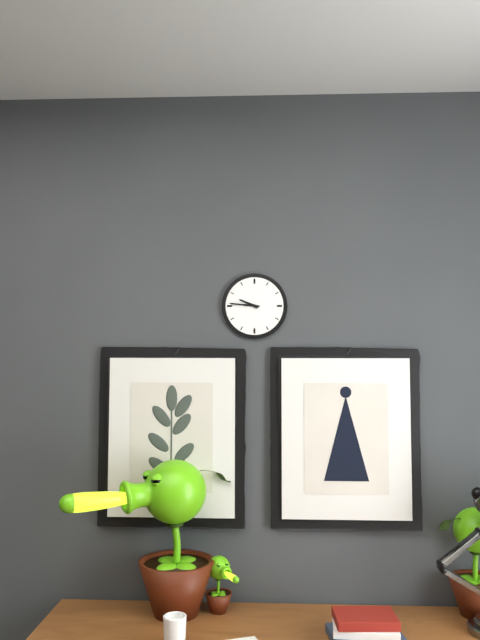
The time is **9:46**
